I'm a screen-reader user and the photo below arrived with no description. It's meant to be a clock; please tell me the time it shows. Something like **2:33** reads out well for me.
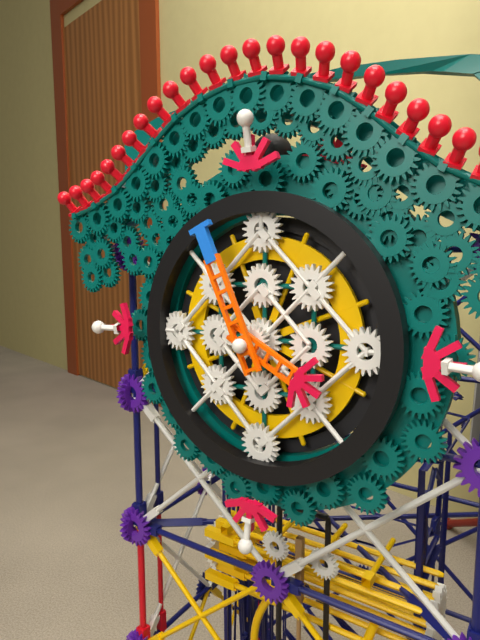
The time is **3:56**
